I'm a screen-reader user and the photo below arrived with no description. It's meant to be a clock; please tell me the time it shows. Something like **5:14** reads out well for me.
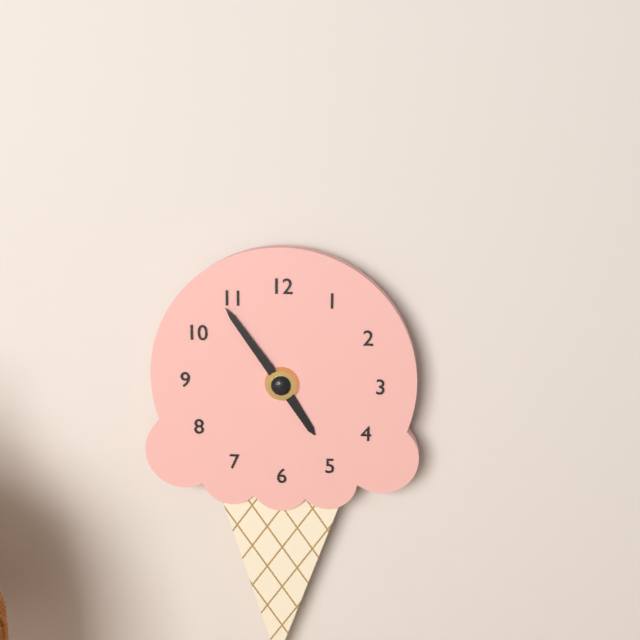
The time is **4:54**
